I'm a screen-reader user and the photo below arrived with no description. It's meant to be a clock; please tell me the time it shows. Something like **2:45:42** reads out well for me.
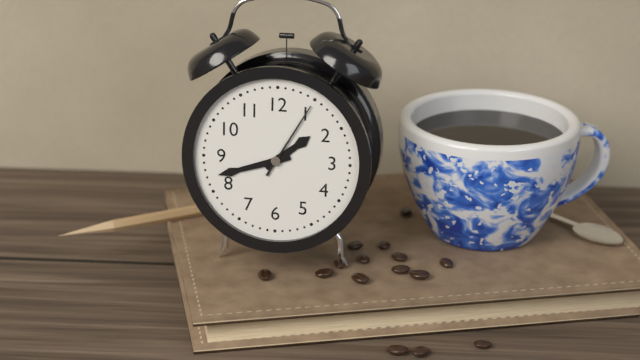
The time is **1:42:05**
